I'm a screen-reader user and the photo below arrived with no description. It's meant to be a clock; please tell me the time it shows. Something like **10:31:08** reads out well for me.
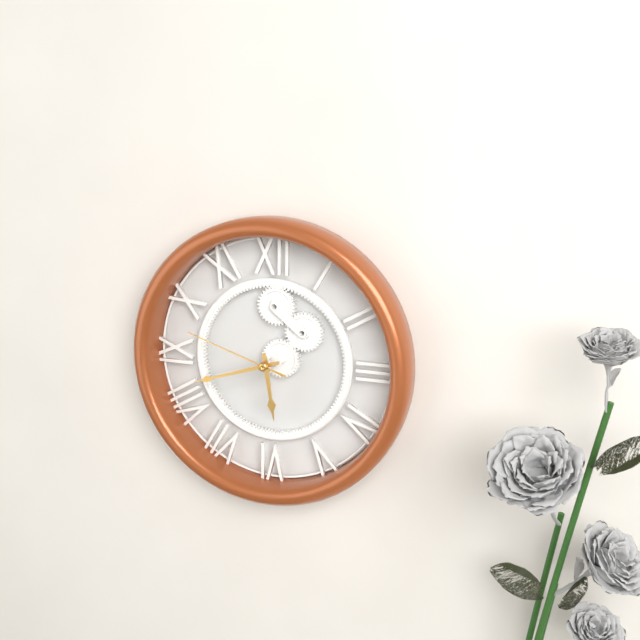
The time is **5:42:48**
